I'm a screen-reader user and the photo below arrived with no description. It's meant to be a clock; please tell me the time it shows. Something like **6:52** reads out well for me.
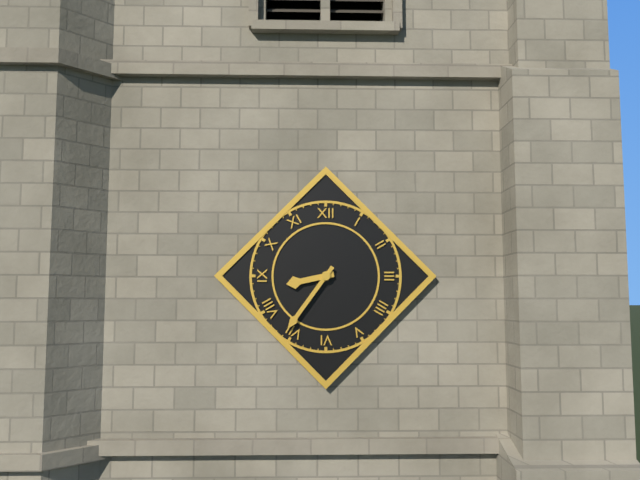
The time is **8:36**
